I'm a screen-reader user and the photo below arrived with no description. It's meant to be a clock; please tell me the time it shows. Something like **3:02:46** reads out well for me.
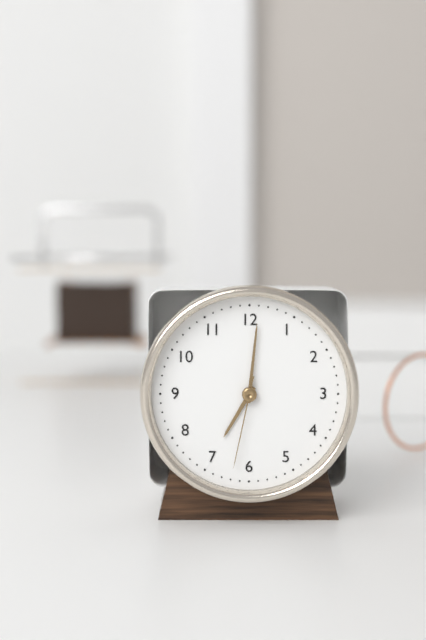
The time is **7:01:32**
